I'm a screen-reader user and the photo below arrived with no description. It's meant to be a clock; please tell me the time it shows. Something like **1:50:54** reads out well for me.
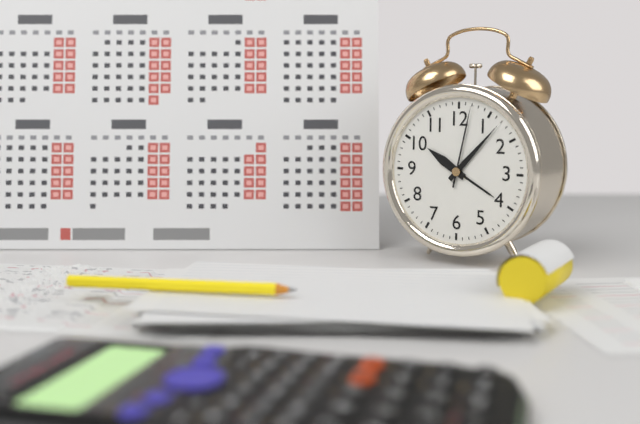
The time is **10:07:02**
